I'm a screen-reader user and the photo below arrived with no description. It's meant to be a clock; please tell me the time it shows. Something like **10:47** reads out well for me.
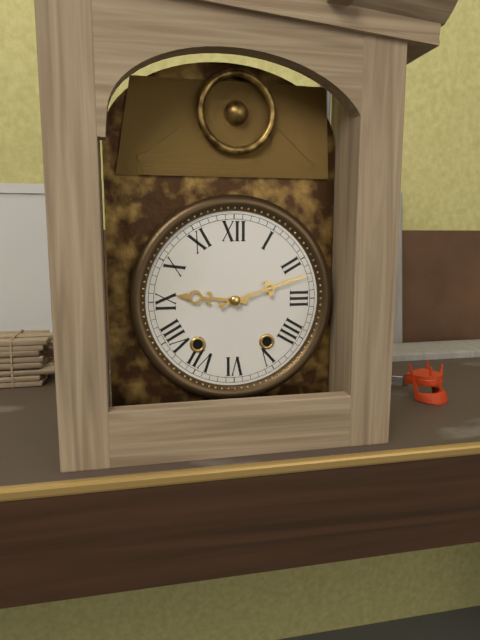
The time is **9:12**
